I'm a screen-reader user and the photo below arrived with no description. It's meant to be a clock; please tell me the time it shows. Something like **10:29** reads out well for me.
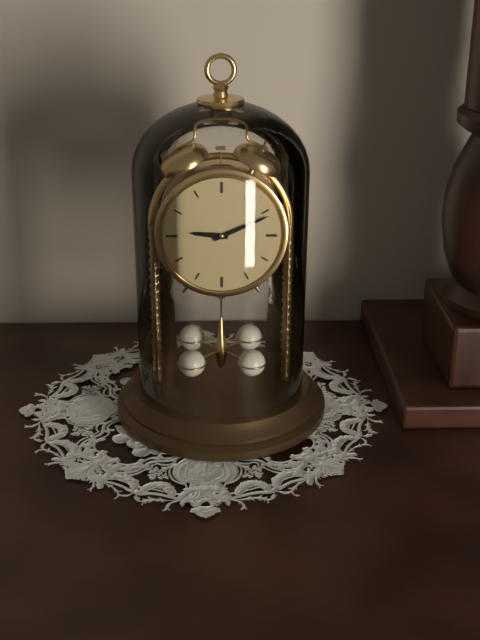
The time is **9:11**
